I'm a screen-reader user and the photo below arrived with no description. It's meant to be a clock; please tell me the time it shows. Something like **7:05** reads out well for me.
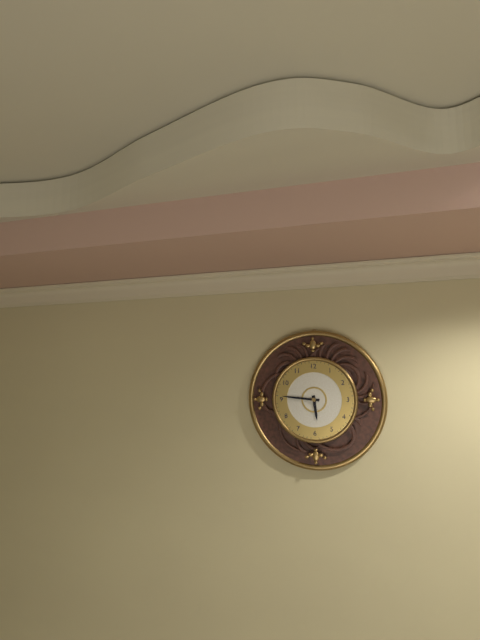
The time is **5:46**
